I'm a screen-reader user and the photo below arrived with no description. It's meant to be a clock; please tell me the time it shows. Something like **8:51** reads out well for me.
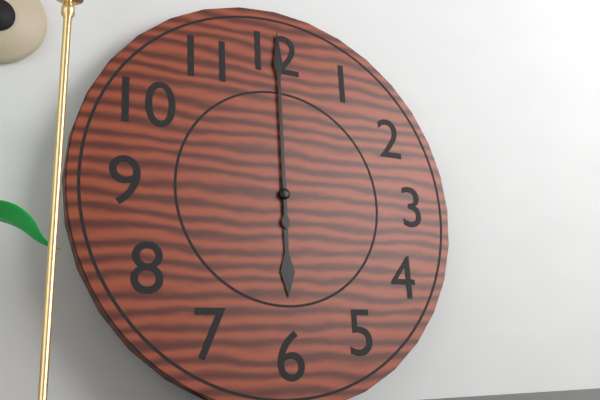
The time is **6:00**
